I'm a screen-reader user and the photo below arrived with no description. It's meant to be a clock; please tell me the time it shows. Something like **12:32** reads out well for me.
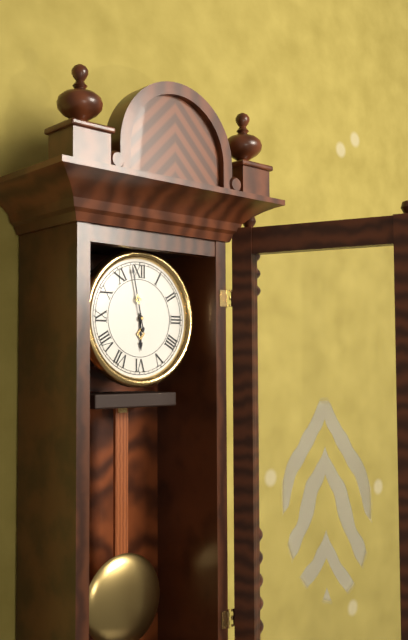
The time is **5:58**
